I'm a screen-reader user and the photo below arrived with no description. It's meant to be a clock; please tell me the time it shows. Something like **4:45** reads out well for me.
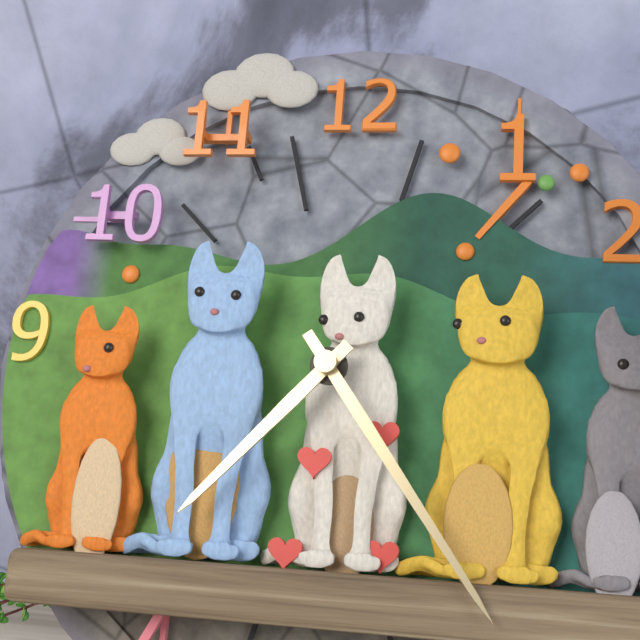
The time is **7:24**
